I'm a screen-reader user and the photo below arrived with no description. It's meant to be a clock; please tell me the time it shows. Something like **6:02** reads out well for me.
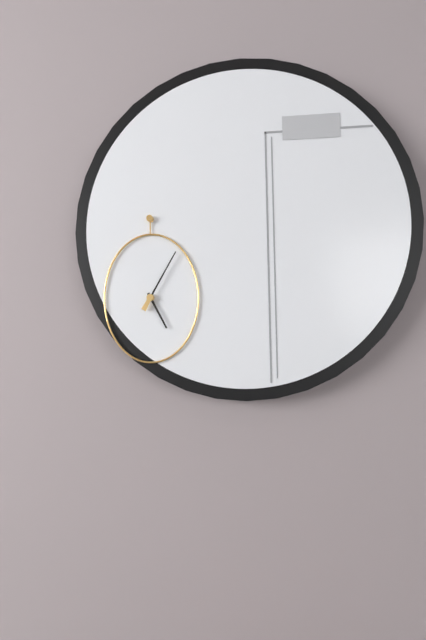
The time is **5:05**
